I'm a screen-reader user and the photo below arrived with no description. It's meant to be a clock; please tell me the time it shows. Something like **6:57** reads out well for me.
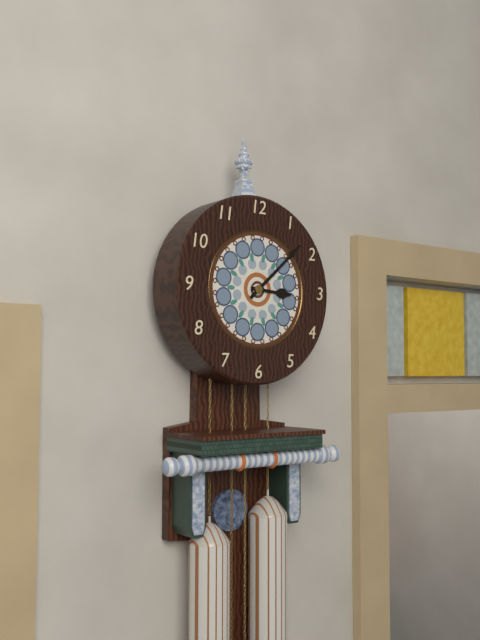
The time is **3:08**
